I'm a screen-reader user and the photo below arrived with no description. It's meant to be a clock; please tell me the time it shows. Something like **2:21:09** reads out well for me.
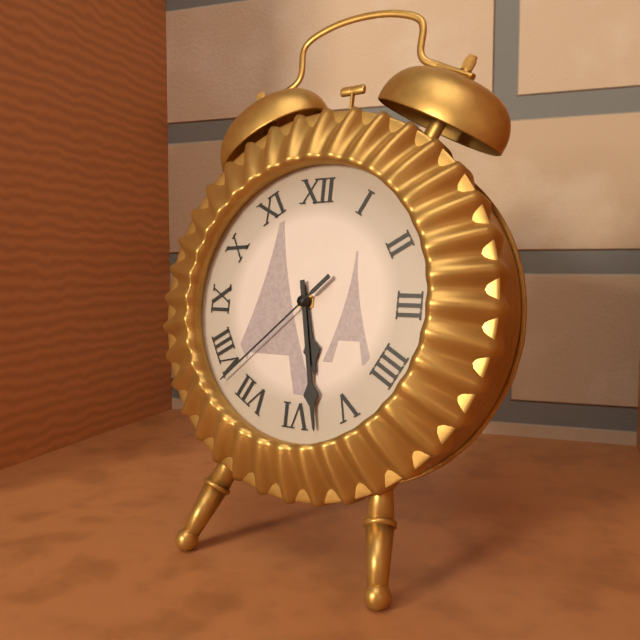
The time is **5:28:38**
